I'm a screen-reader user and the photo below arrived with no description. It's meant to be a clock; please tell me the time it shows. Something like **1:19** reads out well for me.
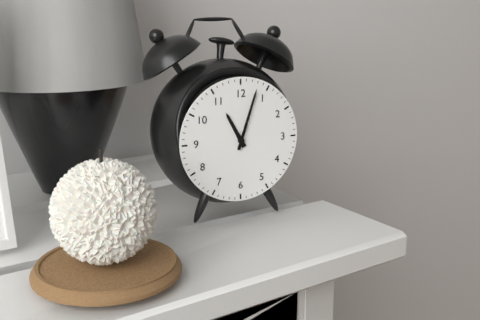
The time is **11:03**
